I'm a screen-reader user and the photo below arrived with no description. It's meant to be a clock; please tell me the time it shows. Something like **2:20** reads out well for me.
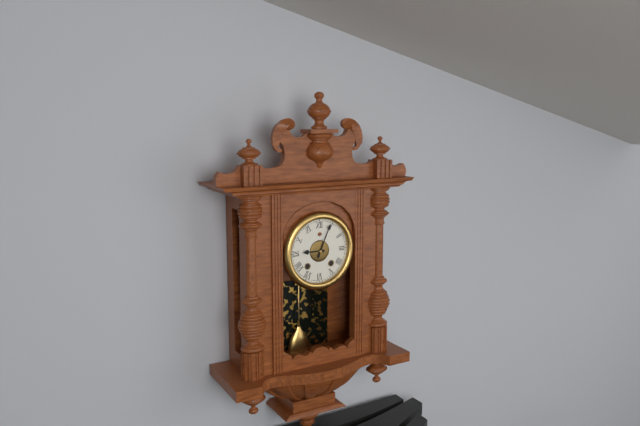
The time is **9:04**
